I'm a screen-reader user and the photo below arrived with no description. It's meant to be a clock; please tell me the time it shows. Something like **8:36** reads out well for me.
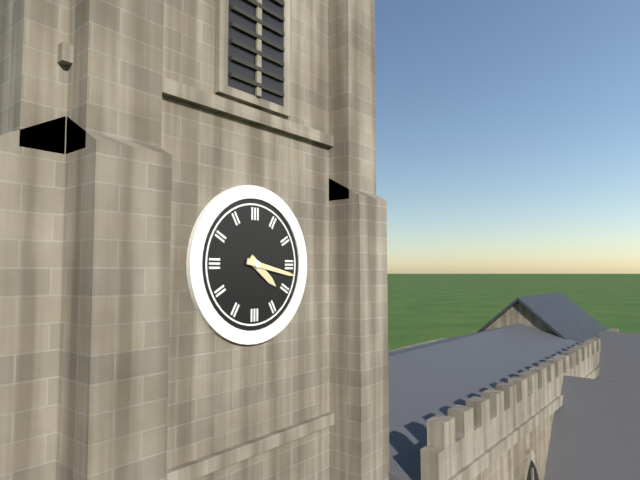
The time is **4:17**
